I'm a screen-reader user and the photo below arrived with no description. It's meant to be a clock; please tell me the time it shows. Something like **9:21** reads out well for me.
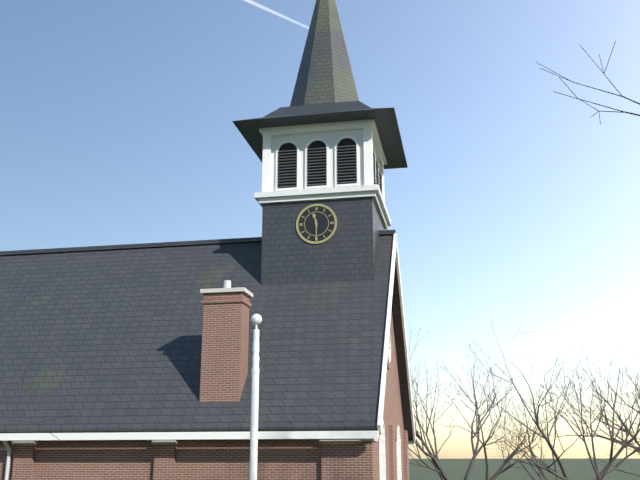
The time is **11:30**
